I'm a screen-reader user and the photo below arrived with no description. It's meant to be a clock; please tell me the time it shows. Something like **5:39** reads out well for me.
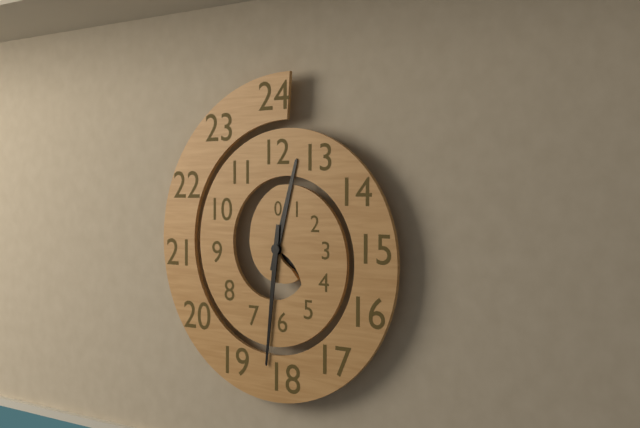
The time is **12:31**
